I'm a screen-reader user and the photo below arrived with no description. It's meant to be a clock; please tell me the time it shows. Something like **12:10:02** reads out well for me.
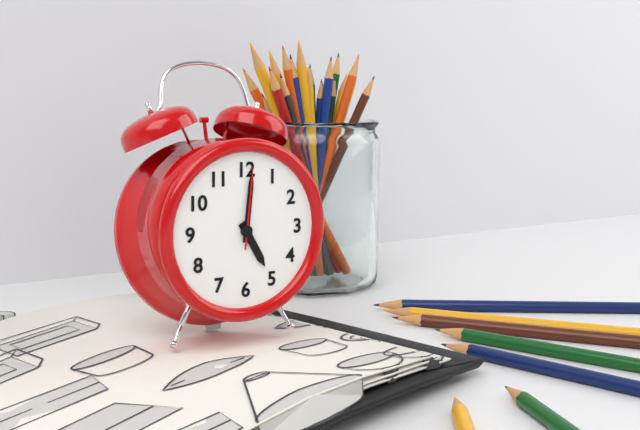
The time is **5:01:01**
